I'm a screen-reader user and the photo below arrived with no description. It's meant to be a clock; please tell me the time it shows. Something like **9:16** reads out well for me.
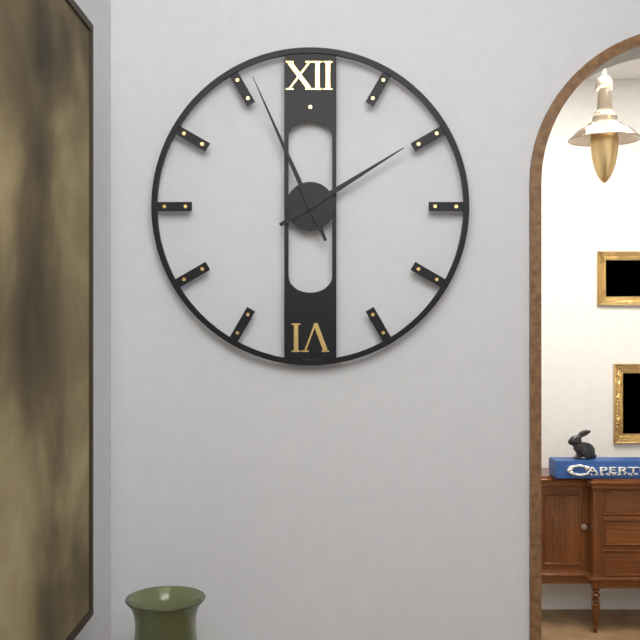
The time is **1:56**
